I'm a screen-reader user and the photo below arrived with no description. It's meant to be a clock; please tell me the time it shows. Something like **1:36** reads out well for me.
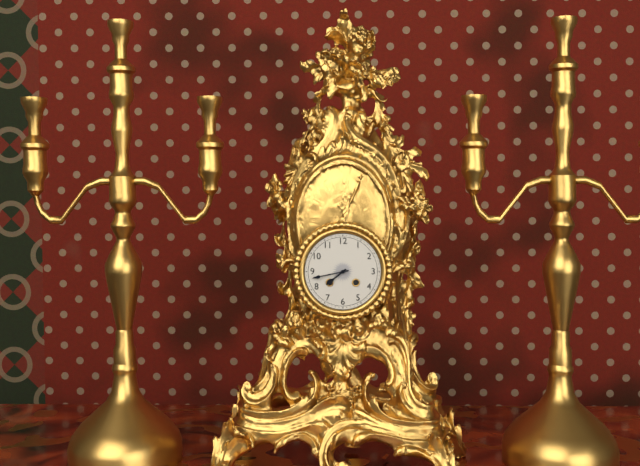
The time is **7:43**
